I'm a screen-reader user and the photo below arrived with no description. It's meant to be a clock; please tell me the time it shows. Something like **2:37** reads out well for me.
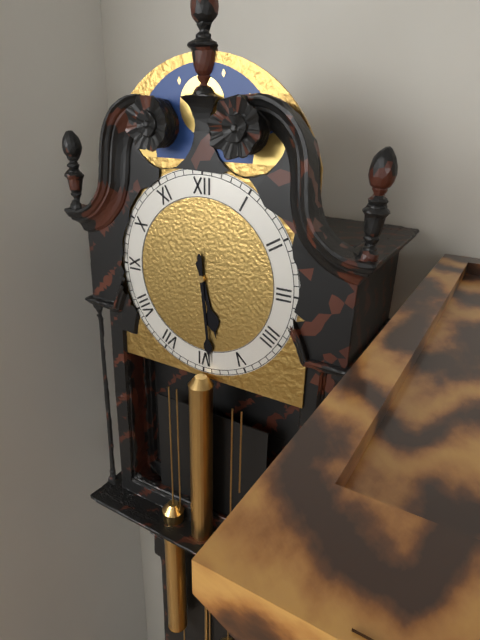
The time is **5:29**
